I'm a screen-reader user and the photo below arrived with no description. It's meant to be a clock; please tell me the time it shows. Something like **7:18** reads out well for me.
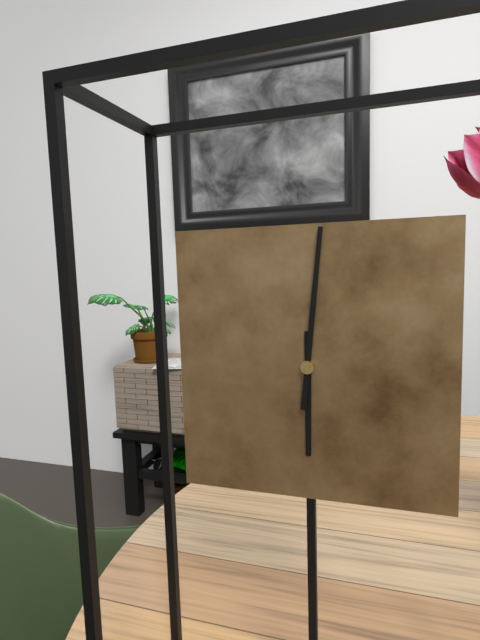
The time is **6:01**
